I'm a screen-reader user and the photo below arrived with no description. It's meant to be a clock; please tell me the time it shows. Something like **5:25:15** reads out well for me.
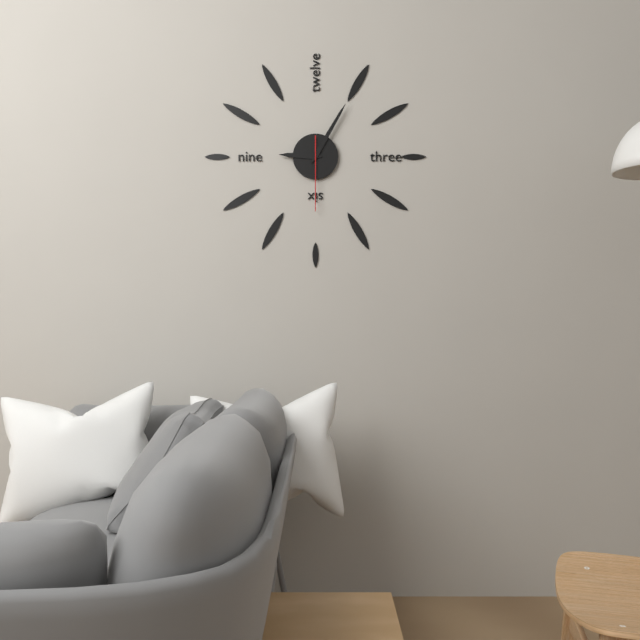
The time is **9:05:30**
